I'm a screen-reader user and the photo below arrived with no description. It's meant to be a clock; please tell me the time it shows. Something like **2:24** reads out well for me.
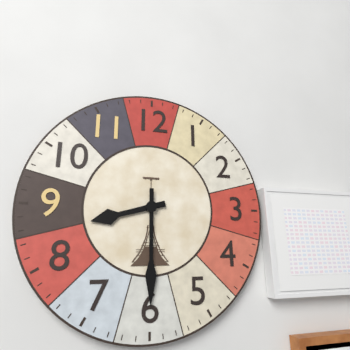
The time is **8:30**
